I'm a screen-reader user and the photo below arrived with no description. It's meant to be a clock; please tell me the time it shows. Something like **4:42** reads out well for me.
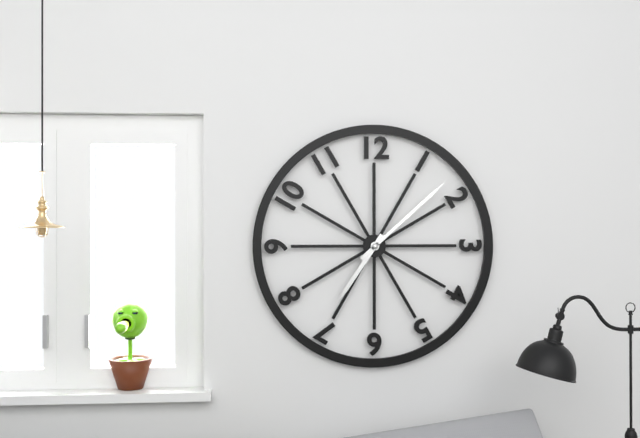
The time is **7:08**
